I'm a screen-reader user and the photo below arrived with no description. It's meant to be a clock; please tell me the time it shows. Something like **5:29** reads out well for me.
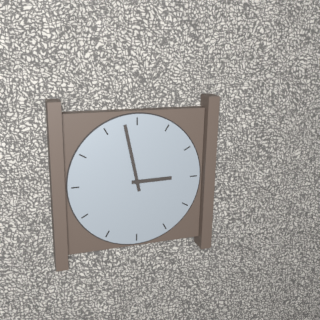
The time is **2:58**
